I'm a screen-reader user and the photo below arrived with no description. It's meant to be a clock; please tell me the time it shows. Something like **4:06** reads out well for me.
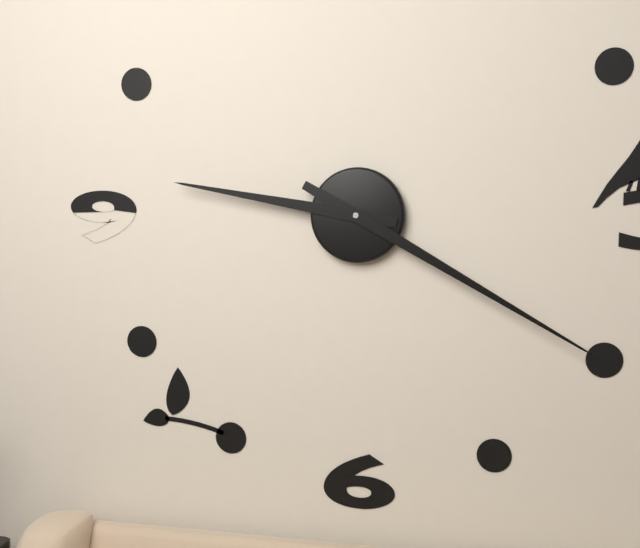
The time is **9:20**
